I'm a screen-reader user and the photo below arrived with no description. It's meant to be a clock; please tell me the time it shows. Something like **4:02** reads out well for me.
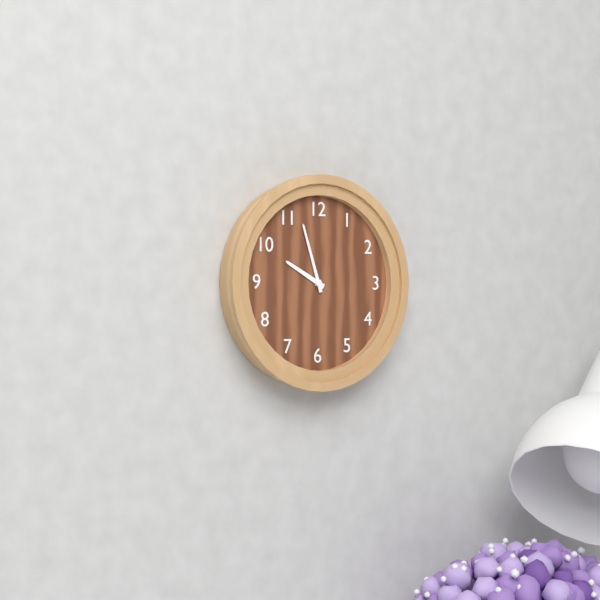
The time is **9:57**
